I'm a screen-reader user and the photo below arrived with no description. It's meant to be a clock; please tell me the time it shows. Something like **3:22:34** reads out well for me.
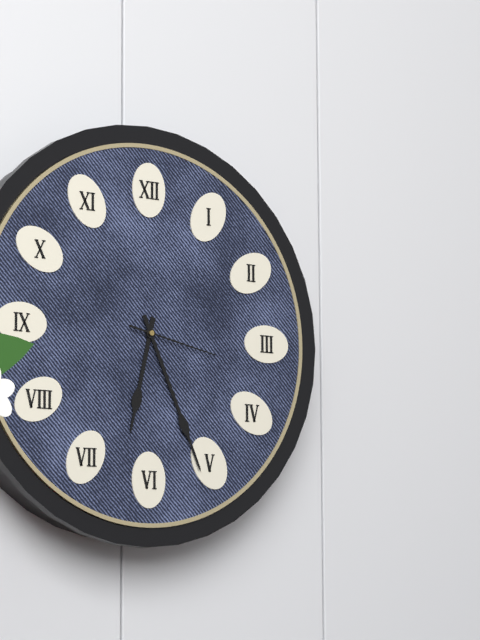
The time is **6:26:17**
